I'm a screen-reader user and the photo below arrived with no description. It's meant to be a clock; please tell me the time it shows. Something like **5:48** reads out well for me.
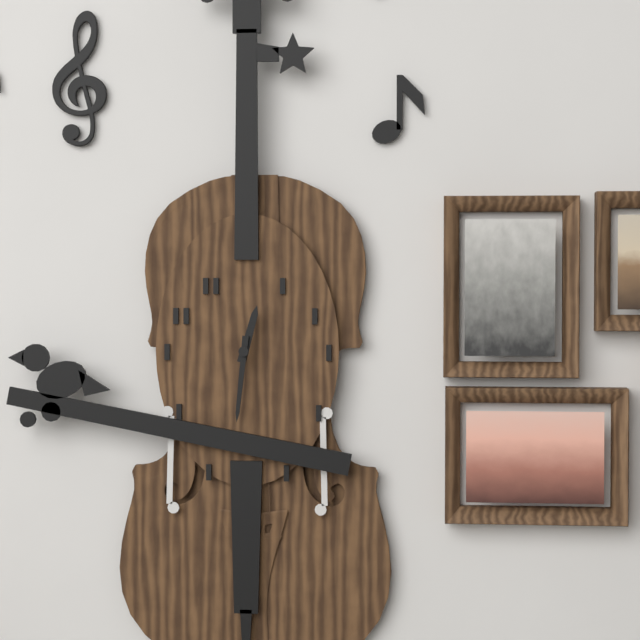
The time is **12:31**
